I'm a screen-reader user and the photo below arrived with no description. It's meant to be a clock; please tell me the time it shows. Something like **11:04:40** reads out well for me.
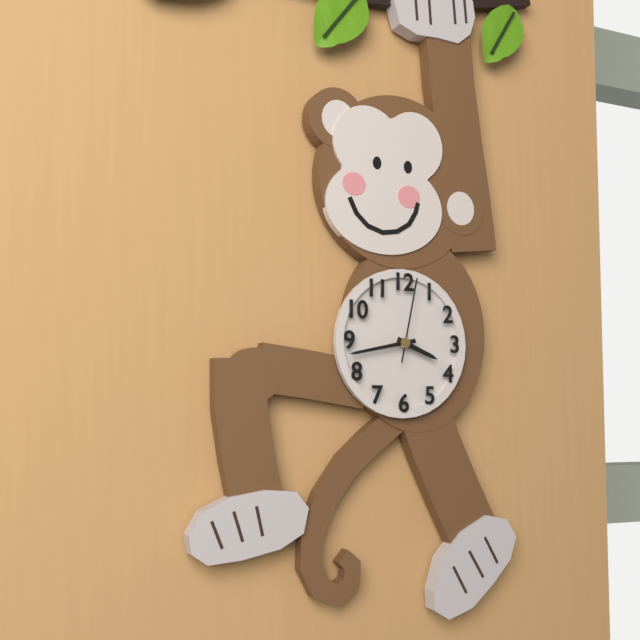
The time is **3:43:02**
